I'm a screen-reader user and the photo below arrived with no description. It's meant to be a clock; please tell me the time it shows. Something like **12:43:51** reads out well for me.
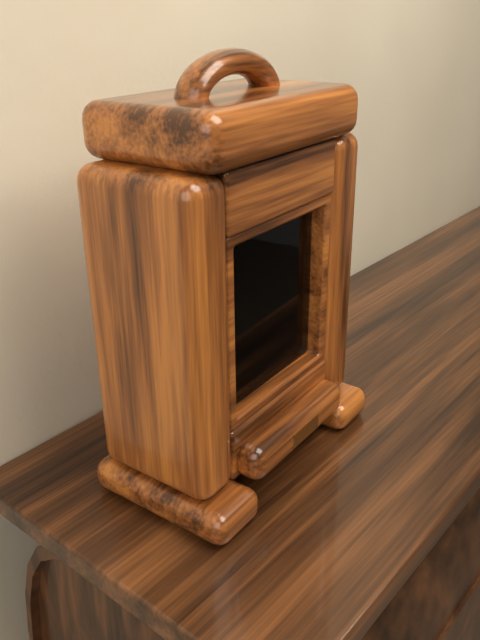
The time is **10:51:57**
